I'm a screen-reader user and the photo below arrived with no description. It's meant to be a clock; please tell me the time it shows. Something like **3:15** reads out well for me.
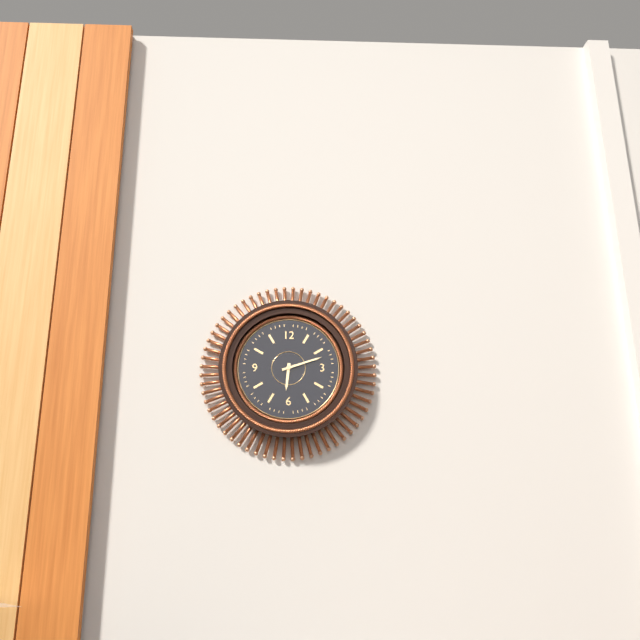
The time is **6:12**
